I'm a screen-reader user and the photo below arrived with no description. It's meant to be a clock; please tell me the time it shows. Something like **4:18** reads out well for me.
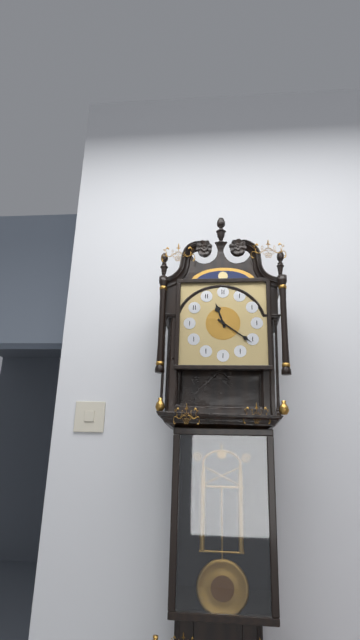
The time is **11:21**
